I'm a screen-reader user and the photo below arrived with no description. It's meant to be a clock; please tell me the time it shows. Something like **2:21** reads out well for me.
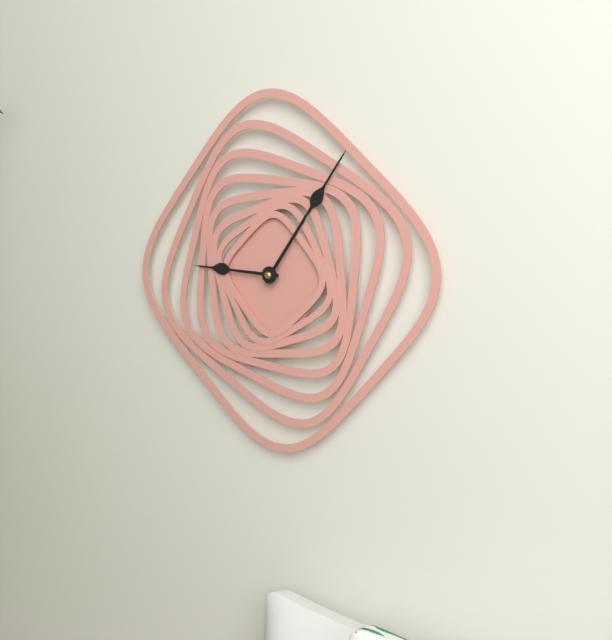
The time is **9:06**
